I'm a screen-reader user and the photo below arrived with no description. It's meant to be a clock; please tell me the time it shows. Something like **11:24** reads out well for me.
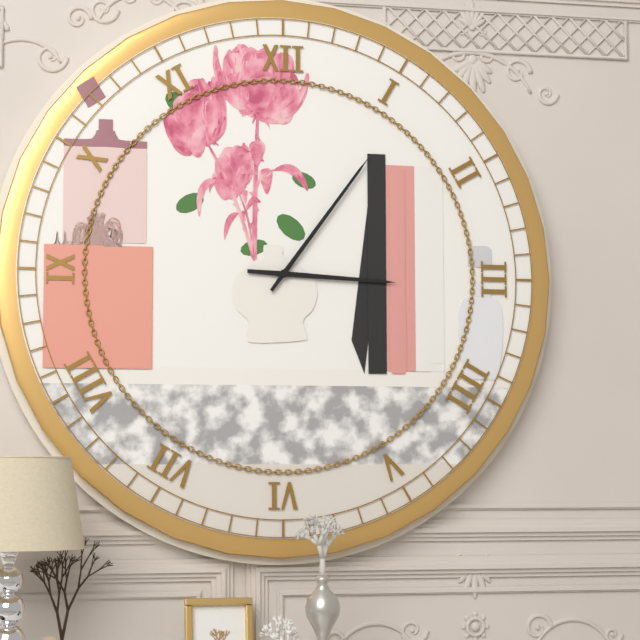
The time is **3:06**
